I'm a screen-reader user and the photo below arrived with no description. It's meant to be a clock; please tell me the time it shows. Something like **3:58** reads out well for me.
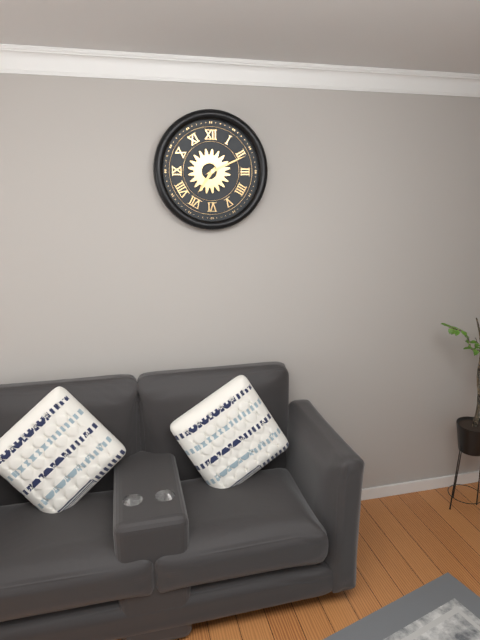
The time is **7:11**
